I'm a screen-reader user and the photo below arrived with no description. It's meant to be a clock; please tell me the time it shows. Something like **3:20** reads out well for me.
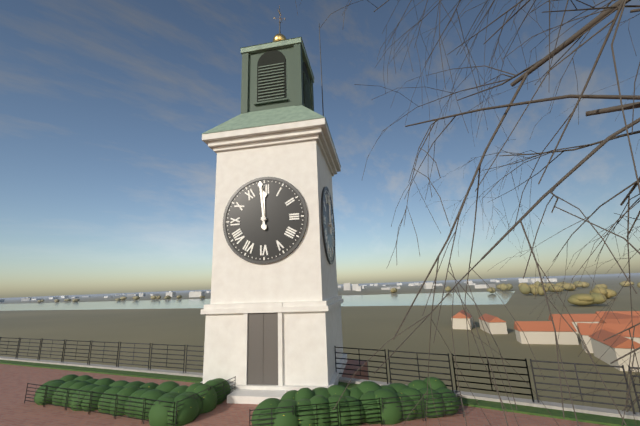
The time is **11:59**
